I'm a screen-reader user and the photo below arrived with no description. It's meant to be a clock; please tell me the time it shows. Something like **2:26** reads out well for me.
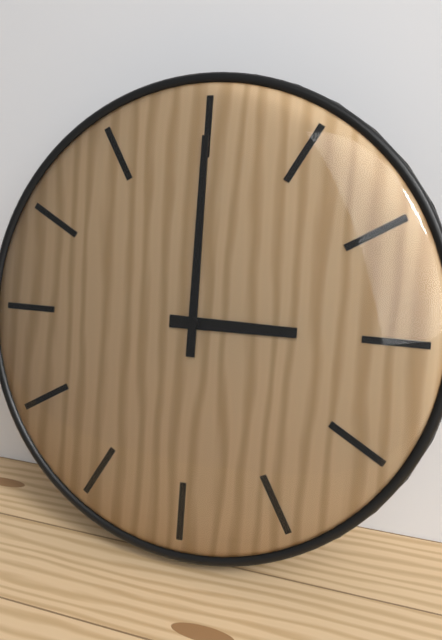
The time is **3:00**
